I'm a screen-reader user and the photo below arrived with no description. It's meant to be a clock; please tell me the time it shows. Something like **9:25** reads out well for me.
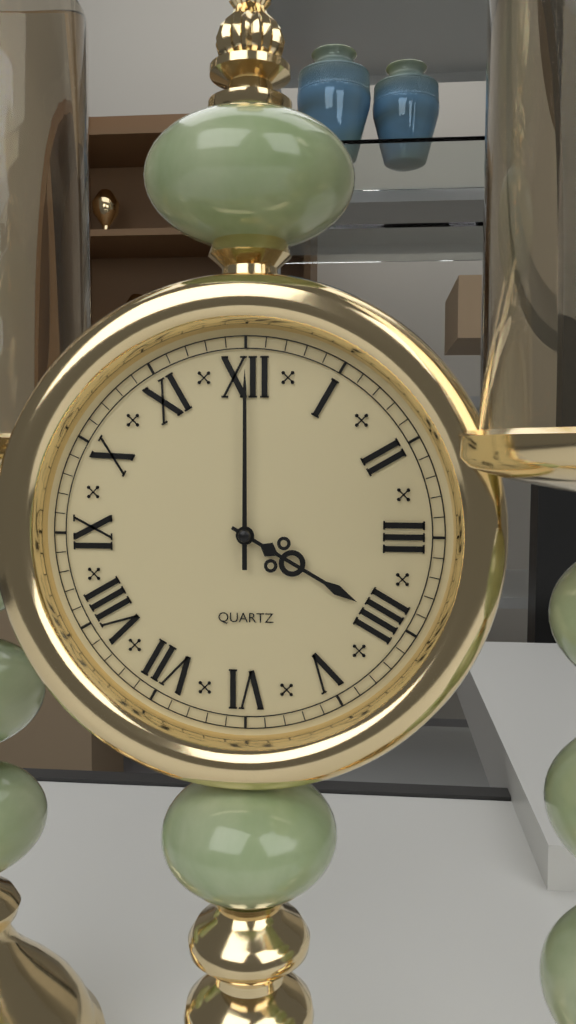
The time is **4:00**
